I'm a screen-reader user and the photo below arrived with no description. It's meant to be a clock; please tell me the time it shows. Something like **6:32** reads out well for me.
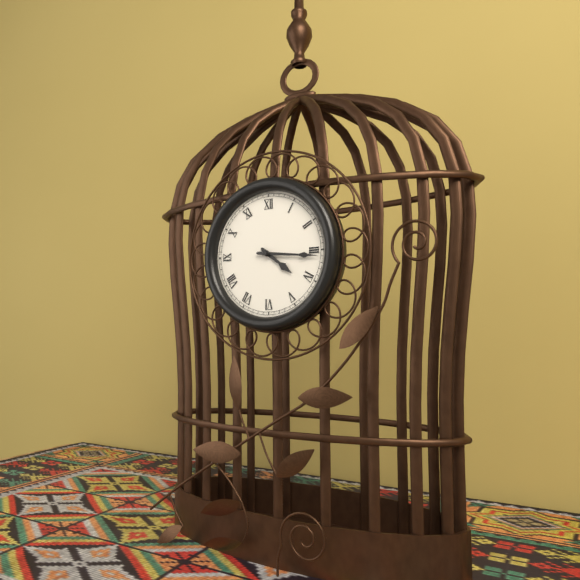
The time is **4:16**
